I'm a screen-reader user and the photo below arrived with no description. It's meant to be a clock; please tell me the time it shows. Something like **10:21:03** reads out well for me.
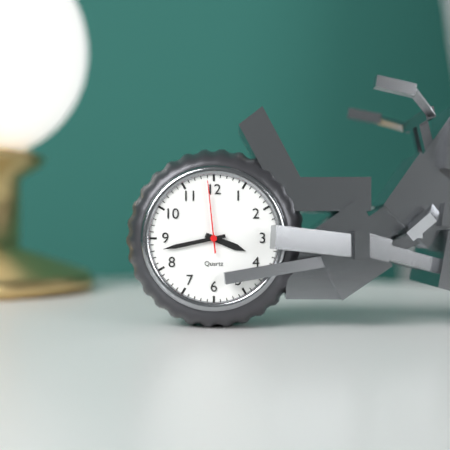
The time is **3:43:59**
